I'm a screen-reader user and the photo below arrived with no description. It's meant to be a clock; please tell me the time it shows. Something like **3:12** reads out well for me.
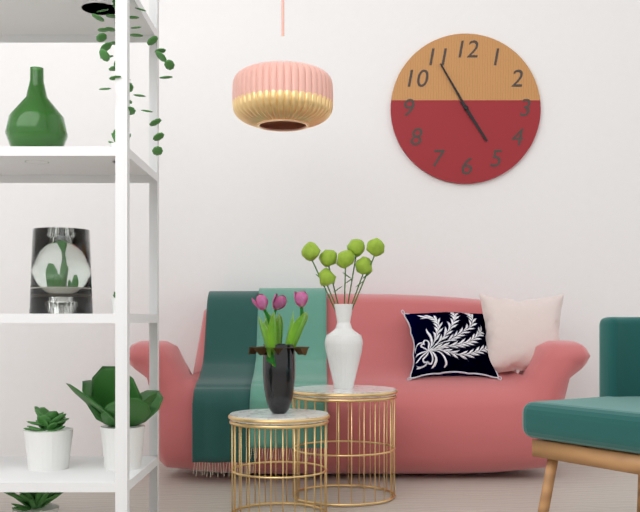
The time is **4:55**
